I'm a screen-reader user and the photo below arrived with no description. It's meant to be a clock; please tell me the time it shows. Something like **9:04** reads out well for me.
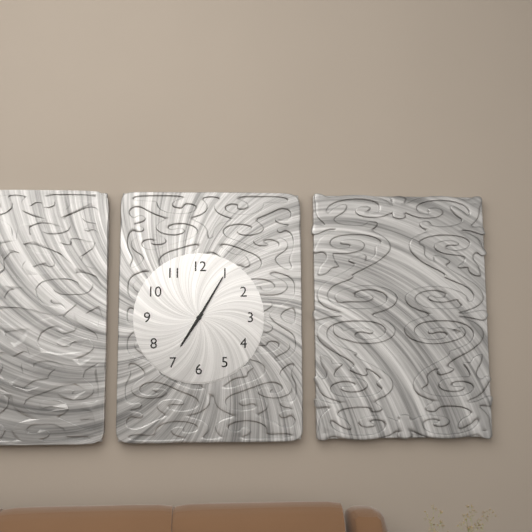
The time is **7:05**
